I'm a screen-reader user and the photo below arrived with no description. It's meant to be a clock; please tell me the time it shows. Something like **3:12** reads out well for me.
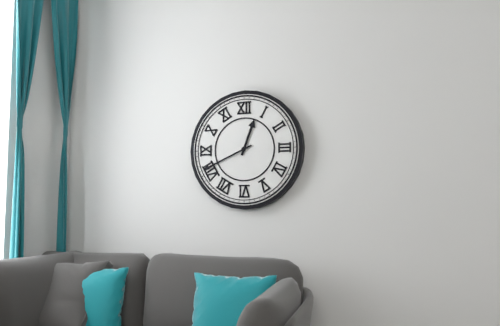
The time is **12:41**
